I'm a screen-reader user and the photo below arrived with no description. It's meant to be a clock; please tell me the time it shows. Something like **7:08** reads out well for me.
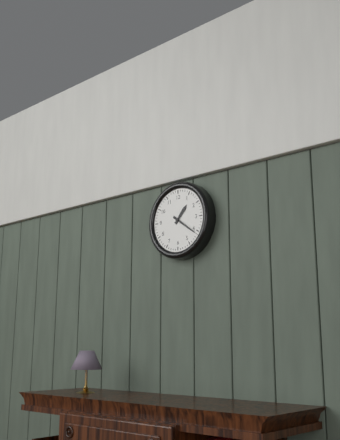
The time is **1:21**
